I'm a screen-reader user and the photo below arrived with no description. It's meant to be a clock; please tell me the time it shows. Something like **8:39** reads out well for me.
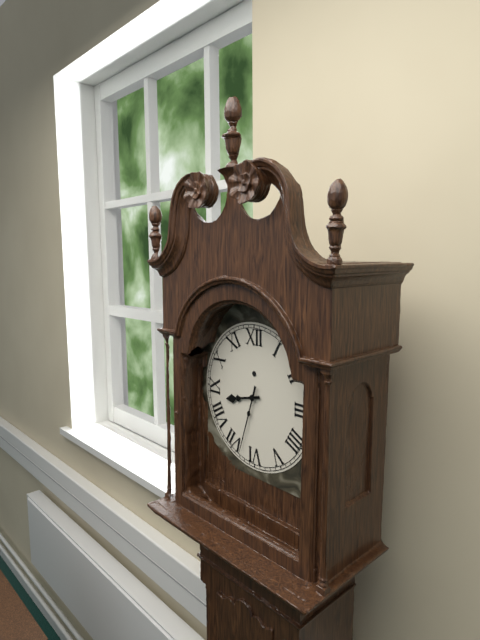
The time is **8:33**
